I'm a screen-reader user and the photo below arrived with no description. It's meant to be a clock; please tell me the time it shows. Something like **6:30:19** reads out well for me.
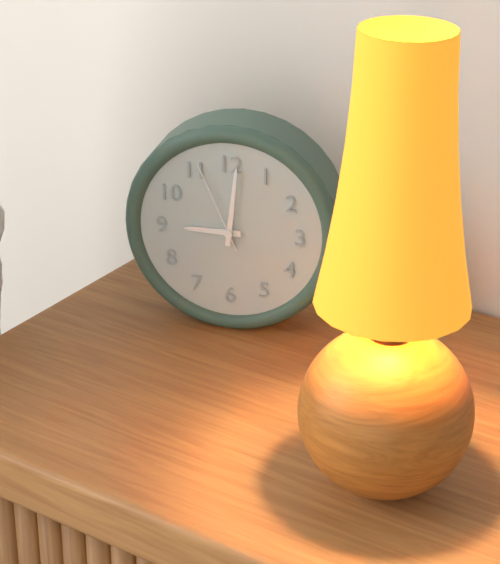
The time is **9:01:56**
